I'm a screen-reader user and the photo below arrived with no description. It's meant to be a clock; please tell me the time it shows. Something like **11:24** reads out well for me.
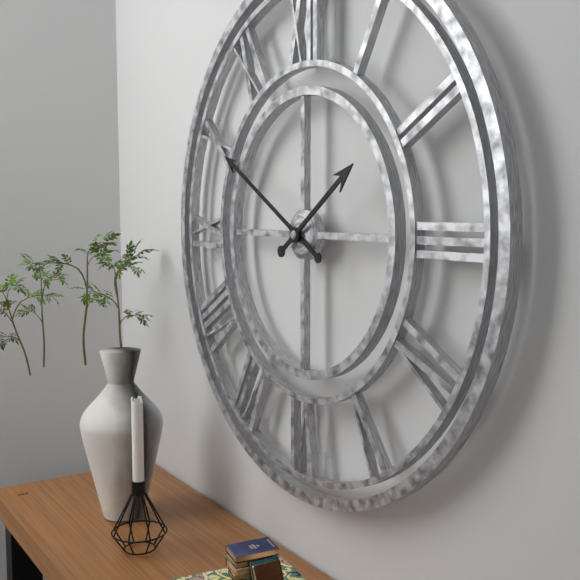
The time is **1:50**
